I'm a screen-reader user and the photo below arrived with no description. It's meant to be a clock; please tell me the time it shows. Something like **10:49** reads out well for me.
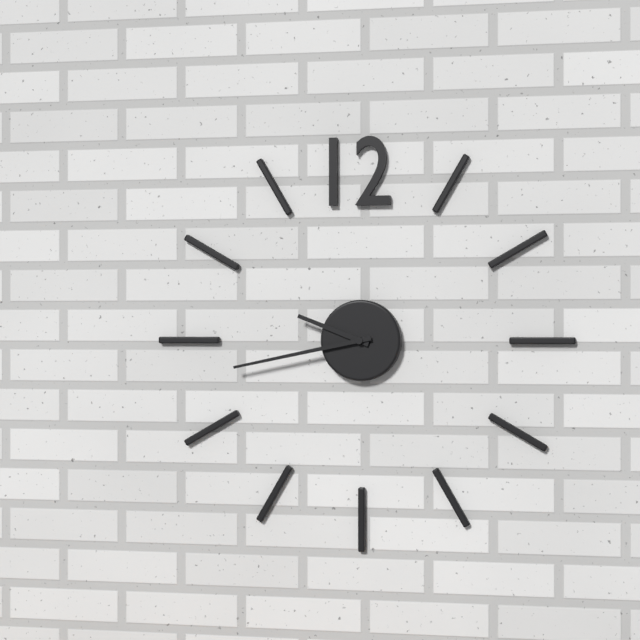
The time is **9:43**
